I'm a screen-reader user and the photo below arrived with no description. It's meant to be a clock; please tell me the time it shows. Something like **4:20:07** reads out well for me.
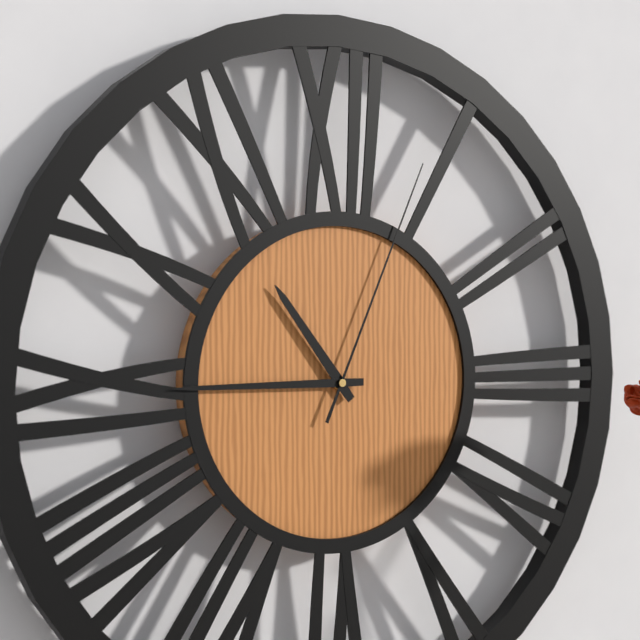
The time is **10:45:04**
